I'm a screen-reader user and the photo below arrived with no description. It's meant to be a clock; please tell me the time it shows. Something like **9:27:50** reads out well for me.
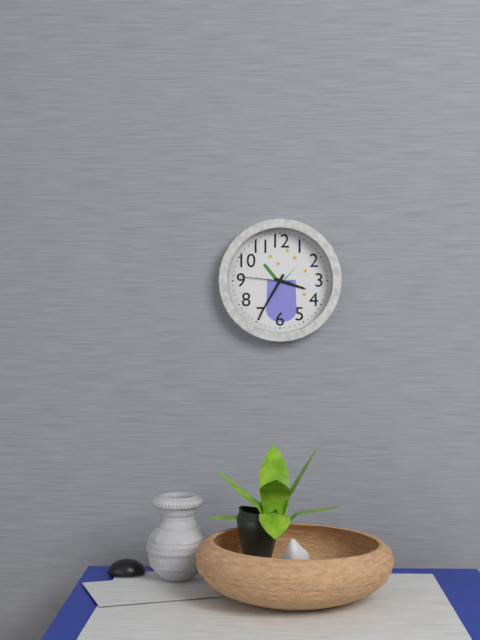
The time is **3:35:46**
